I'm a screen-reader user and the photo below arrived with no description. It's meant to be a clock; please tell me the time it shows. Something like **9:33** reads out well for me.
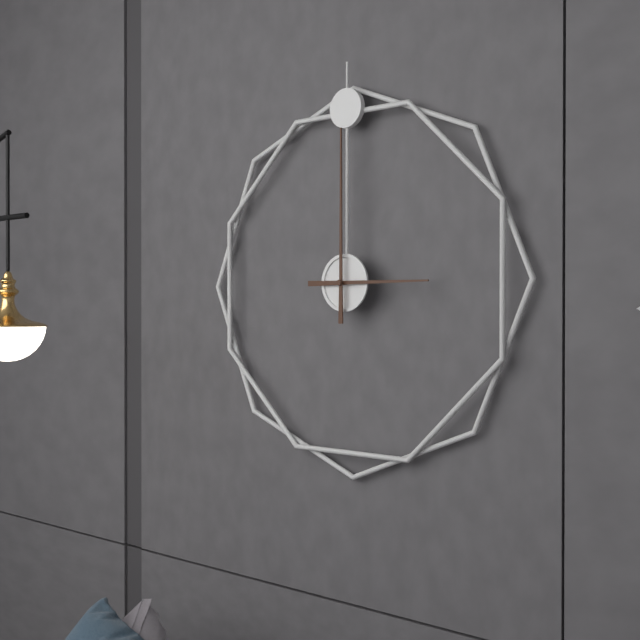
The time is **3:00**
